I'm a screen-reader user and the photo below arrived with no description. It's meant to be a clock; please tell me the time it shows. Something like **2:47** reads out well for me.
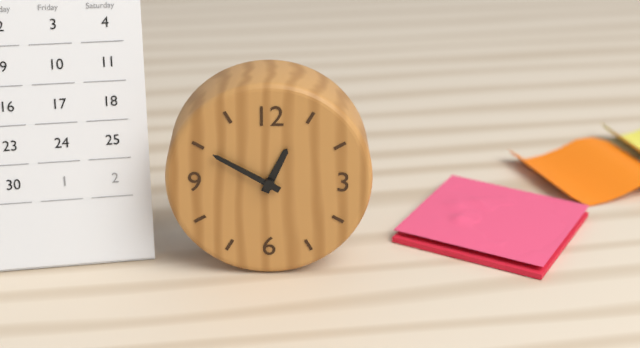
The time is **12:50**
